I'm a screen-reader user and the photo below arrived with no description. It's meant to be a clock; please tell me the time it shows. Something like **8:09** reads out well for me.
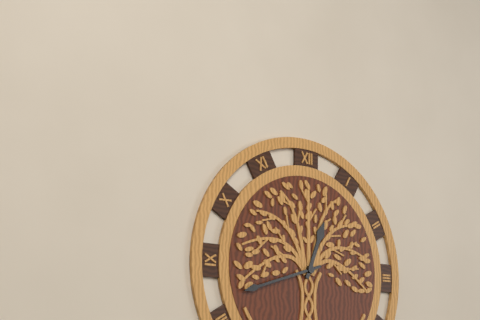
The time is **12:42**
